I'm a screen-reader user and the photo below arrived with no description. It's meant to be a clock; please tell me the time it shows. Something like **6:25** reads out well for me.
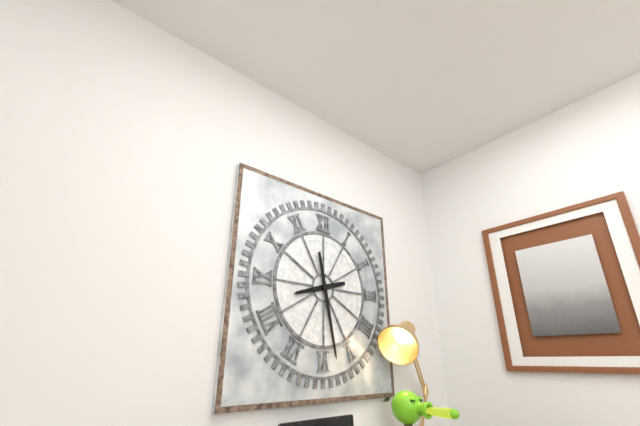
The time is **8:28**
